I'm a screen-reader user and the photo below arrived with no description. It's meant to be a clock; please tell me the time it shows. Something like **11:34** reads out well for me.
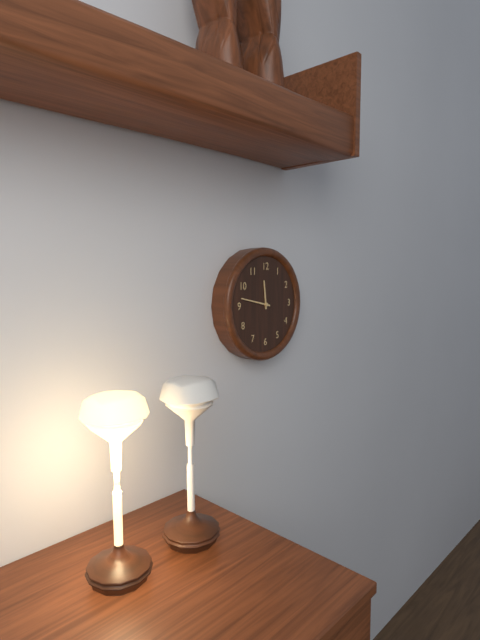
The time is **11:47**
